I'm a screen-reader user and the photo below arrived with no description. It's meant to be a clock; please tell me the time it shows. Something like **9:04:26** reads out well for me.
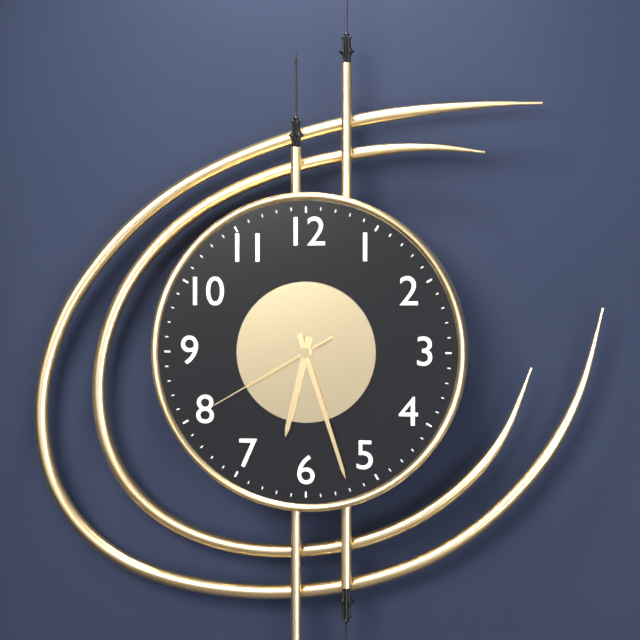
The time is **6:27:40**
